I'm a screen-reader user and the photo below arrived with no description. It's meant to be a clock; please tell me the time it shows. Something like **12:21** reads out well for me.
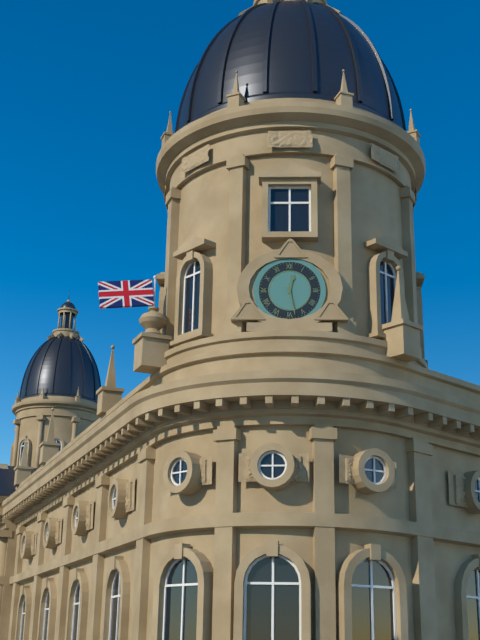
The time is **12:28**
